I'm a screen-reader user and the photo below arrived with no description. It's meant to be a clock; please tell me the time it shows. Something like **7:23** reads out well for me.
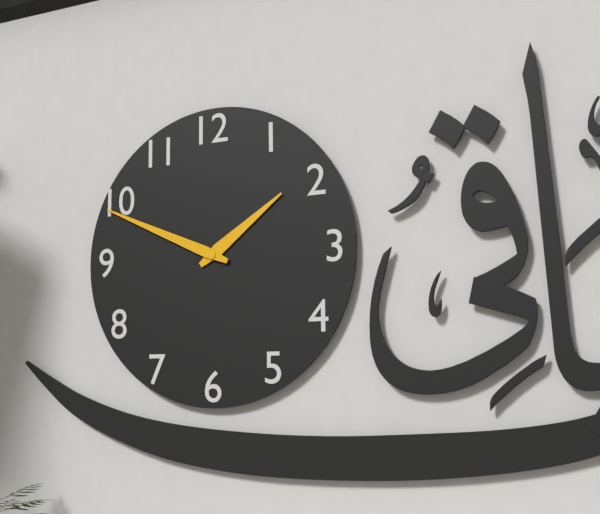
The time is **1:49**
